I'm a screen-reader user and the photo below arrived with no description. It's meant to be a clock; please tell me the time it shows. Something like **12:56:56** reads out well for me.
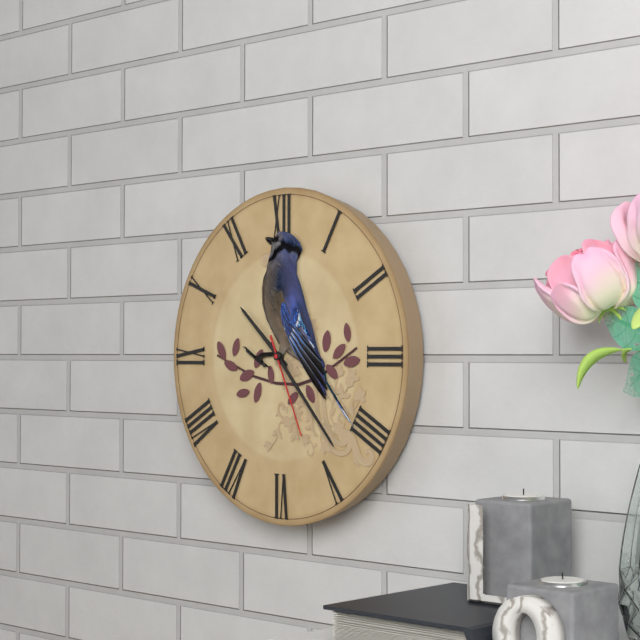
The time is **10:23:26**
